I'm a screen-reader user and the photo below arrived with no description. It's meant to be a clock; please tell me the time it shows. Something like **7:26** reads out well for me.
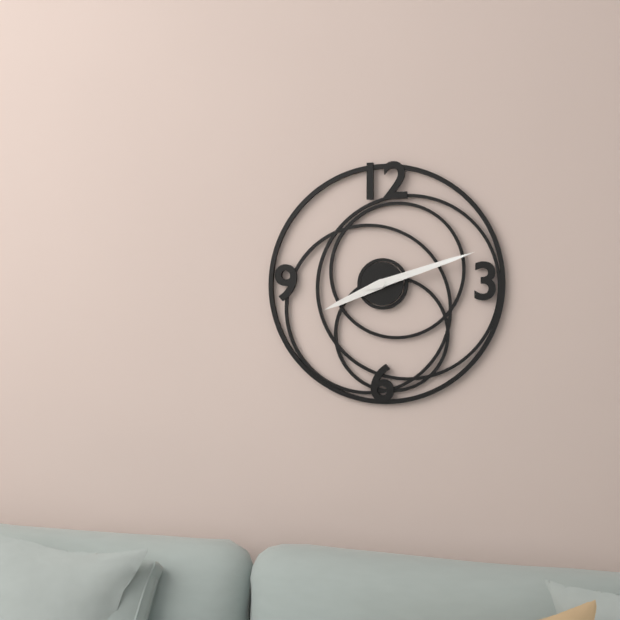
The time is **8:12**
